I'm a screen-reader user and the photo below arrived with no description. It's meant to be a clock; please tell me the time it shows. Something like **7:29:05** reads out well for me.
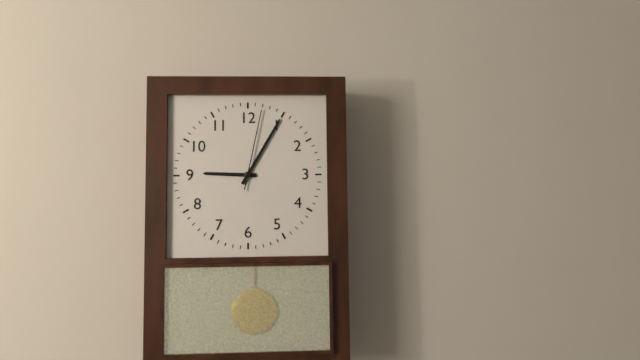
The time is **9:05:02**
